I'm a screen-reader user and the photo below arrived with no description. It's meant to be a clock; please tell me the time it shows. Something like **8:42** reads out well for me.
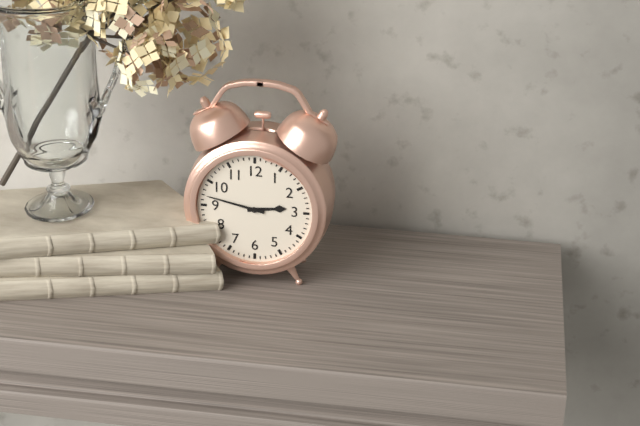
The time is **2:47**
